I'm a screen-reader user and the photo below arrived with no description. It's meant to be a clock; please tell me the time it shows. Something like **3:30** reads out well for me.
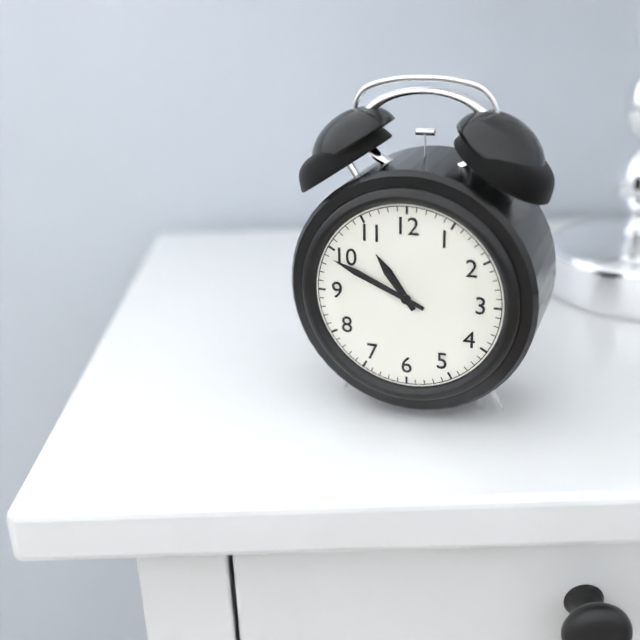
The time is **10:49**
